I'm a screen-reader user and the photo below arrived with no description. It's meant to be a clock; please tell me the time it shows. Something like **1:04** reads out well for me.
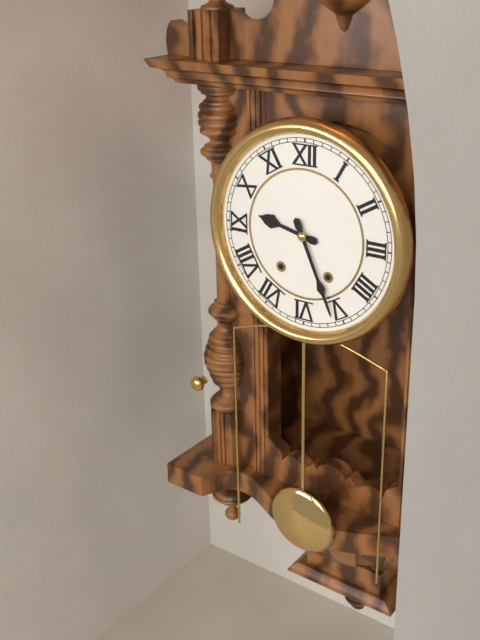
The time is **9:26**
